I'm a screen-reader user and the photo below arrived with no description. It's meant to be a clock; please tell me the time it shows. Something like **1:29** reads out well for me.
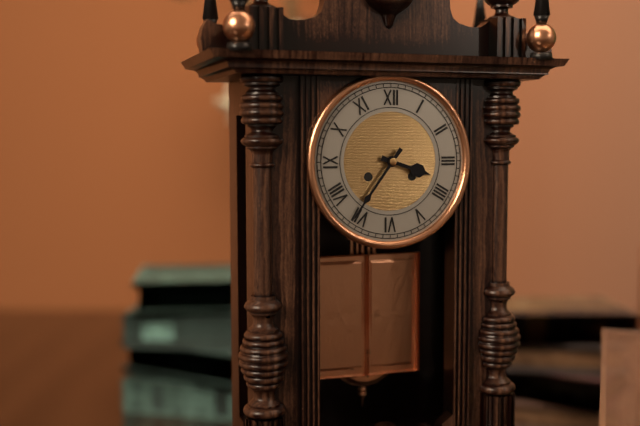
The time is **3:36**
